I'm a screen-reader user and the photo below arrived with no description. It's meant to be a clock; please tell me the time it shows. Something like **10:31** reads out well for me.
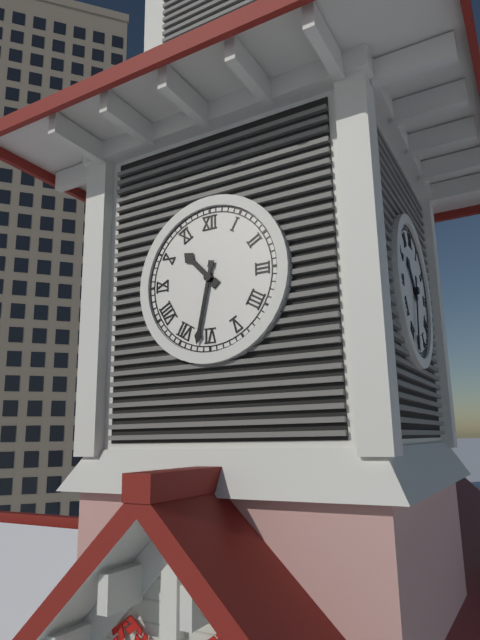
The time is **10:32**
